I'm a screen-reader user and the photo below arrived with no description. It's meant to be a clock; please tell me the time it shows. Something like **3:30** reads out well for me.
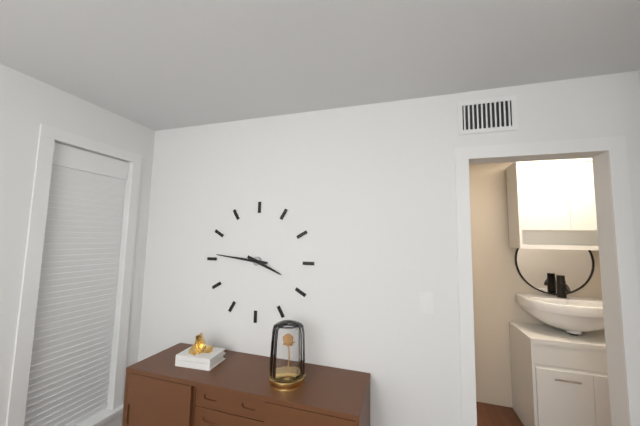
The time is **3:46**
